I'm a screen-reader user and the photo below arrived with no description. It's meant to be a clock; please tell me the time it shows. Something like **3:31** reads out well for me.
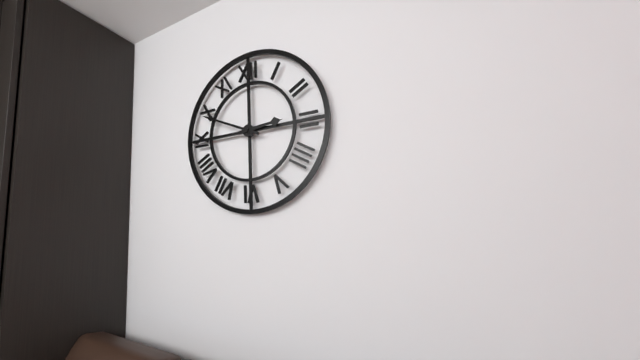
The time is **2:49**
